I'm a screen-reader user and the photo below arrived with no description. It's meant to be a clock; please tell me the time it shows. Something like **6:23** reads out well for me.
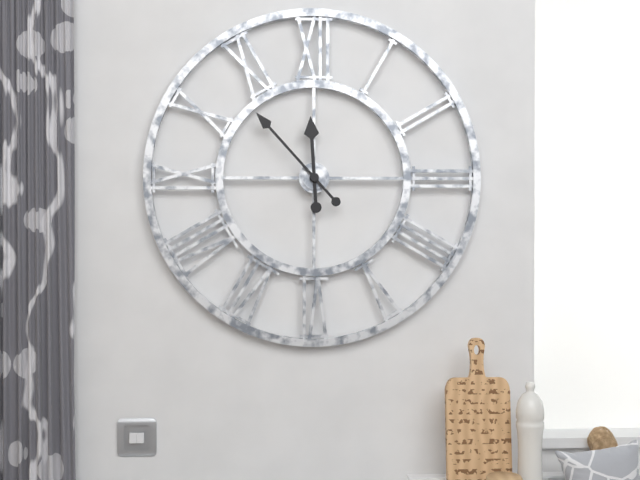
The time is **11:53**
